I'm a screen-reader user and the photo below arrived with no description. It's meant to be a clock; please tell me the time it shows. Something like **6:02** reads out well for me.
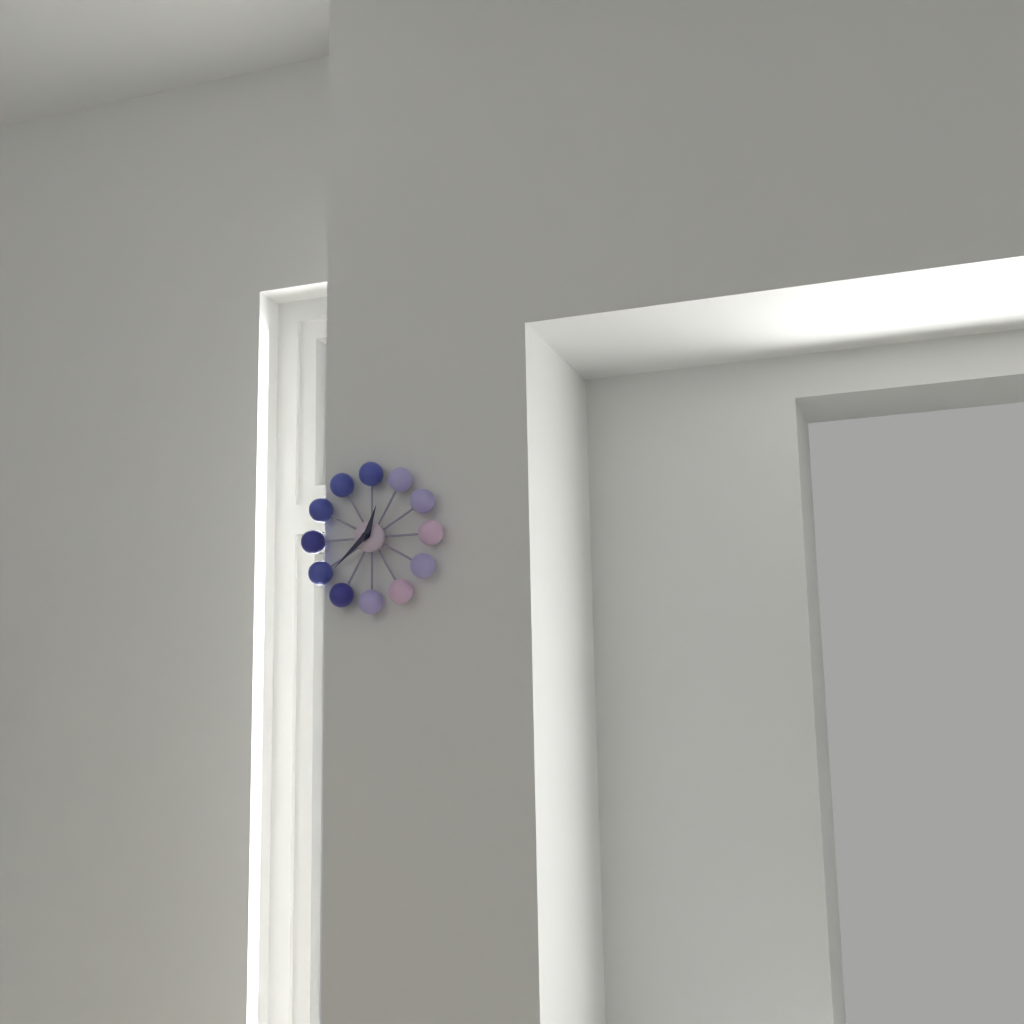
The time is **12:38**
